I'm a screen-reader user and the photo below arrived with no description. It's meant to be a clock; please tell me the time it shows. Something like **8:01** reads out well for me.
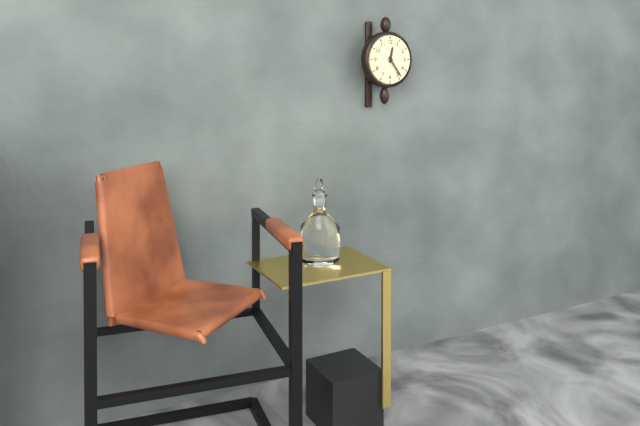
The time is **12:24**
